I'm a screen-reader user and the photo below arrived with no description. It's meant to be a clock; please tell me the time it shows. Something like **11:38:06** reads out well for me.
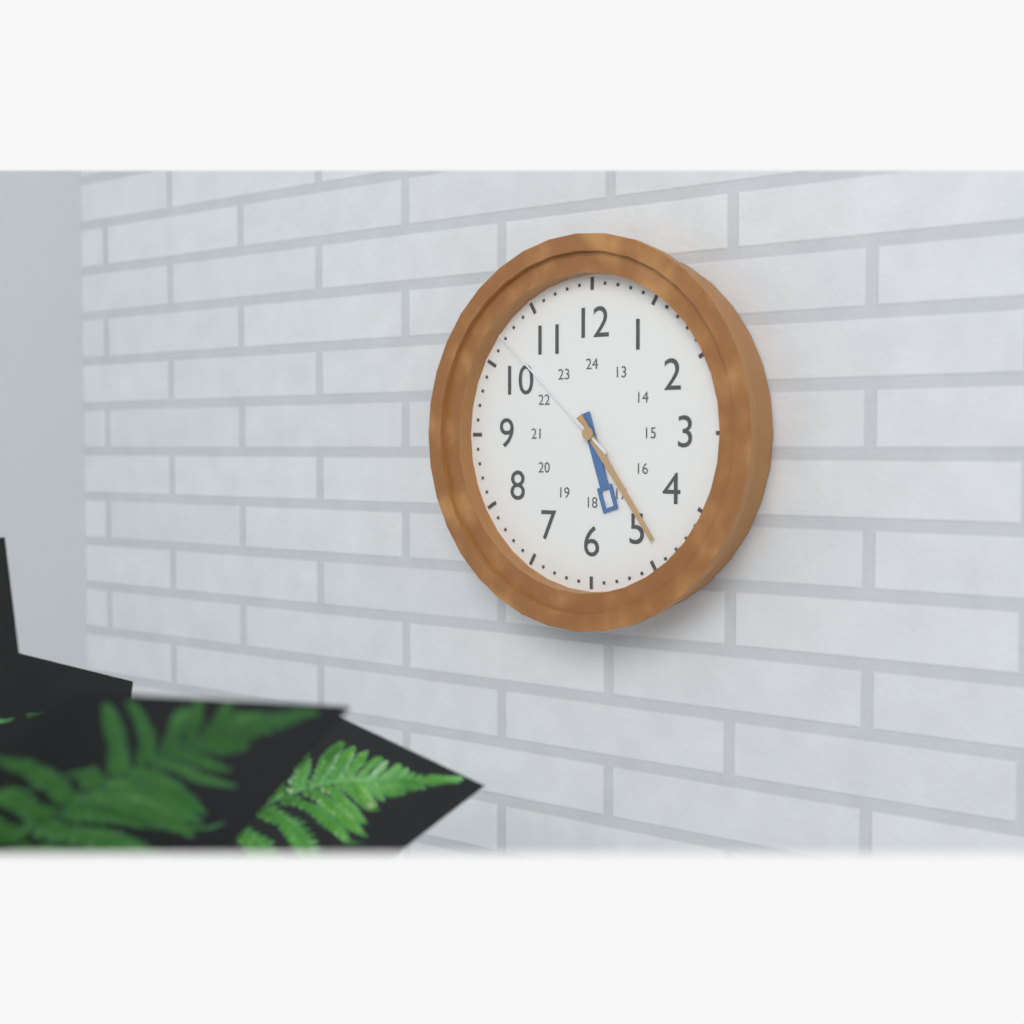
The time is **5:24:52**
